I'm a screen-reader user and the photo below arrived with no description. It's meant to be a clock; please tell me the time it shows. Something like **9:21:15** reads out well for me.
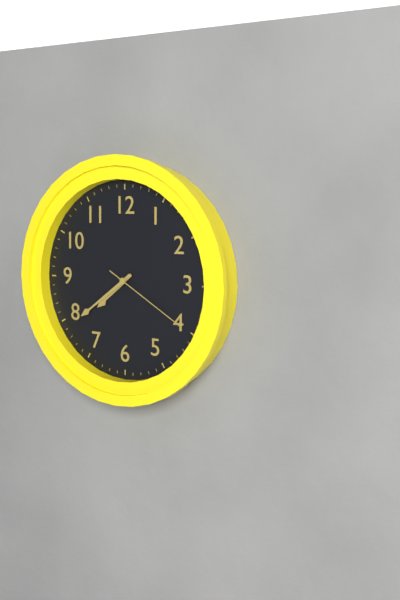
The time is **7:39:20**
